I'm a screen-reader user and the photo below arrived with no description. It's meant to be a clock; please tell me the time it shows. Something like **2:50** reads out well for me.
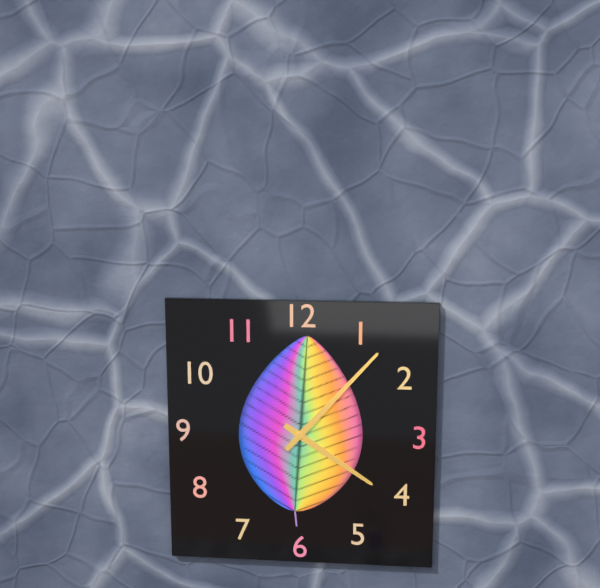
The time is **4:07**
